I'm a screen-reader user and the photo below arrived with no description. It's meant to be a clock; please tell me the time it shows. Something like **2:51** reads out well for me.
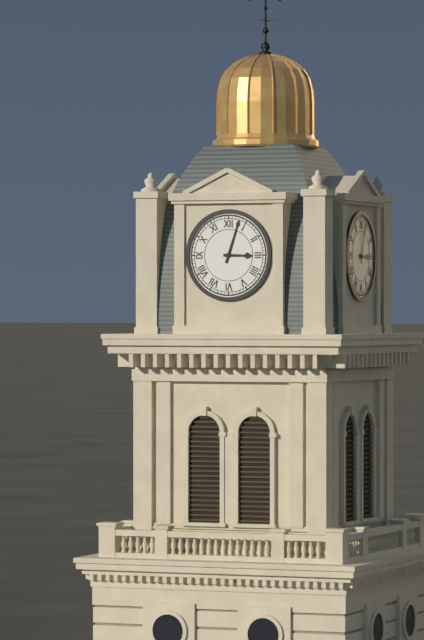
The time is **3:03**
